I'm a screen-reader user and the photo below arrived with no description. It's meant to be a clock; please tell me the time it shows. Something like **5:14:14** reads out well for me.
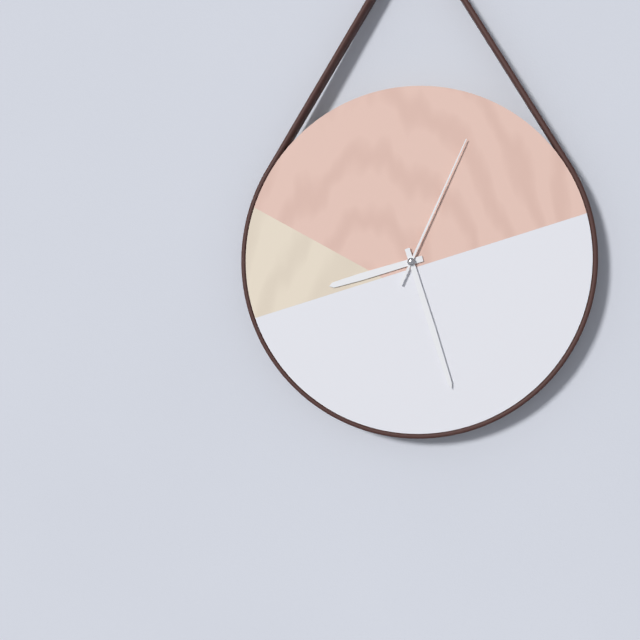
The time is **8:27:04**
